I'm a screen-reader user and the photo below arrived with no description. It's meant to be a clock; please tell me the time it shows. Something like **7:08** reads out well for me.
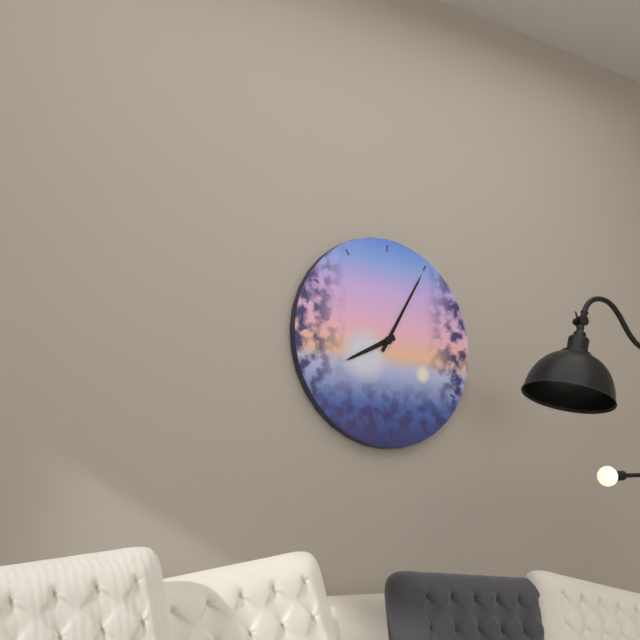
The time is **8:05**
